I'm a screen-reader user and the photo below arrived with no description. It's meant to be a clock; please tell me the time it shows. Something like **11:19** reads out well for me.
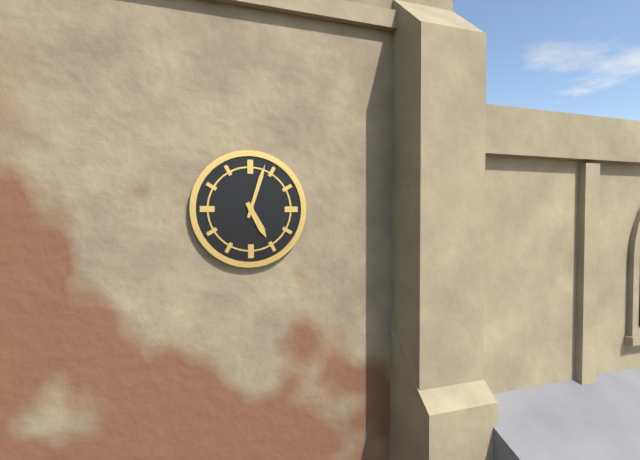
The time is **5:03**
